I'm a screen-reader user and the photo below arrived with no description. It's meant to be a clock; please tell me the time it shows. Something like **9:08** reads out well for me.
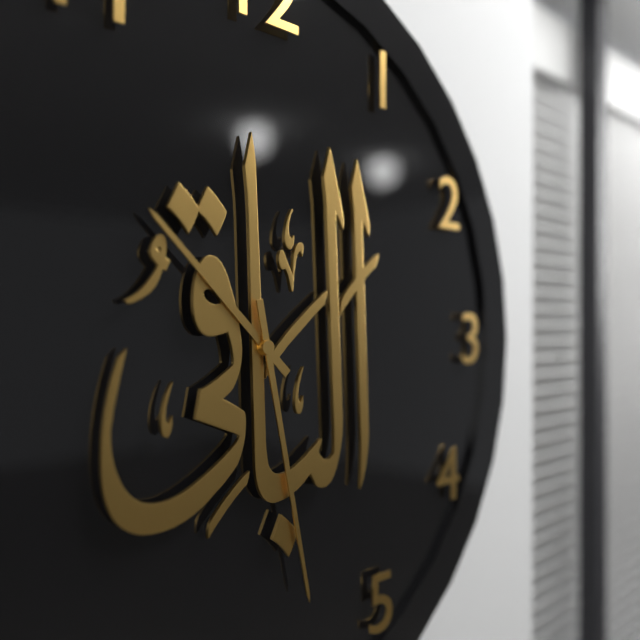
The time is **10:28**
